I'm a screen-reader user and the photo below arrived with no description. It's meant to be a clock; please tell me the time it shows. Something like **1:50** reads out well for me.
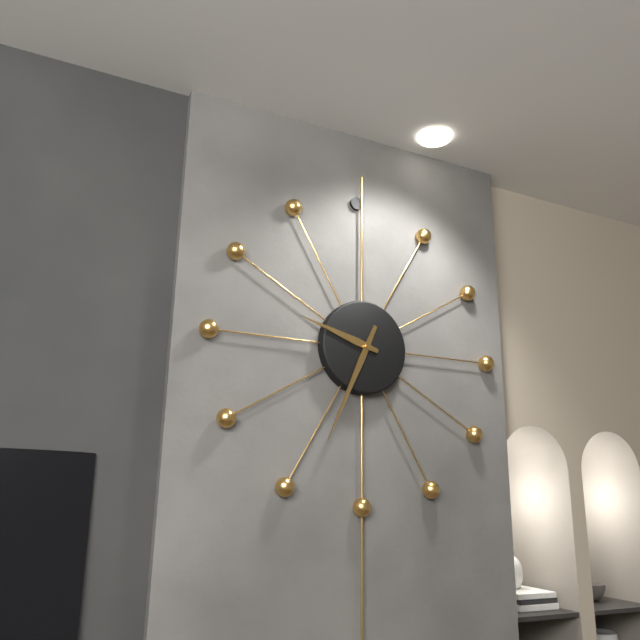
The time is **9:34**
